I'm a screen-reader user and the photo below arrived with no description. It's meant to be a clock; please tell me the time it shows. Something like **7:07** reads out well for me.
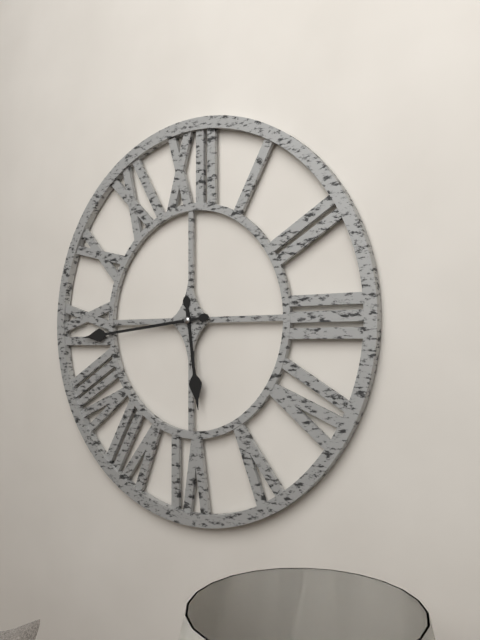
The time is **5:44**
